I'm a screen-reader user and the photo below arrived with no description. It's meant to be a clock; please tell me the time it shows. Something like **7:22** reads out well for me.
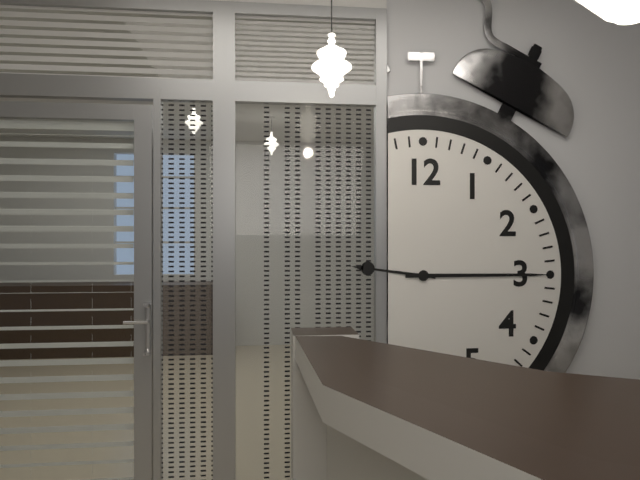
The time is **9:15**
